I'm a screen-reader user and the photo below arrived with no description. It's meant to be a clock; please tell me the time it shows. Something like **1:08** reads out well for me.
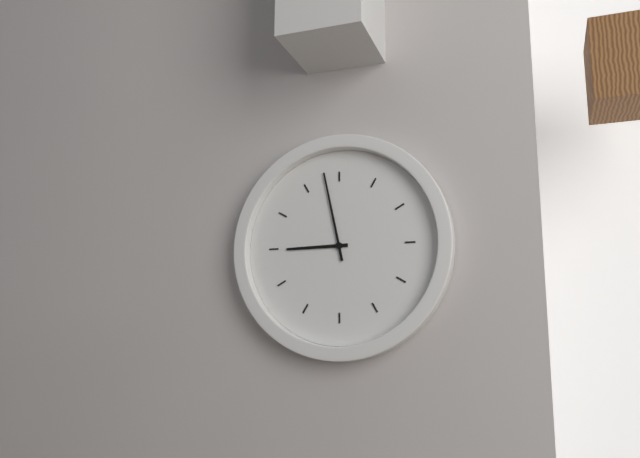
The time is **8:58**
